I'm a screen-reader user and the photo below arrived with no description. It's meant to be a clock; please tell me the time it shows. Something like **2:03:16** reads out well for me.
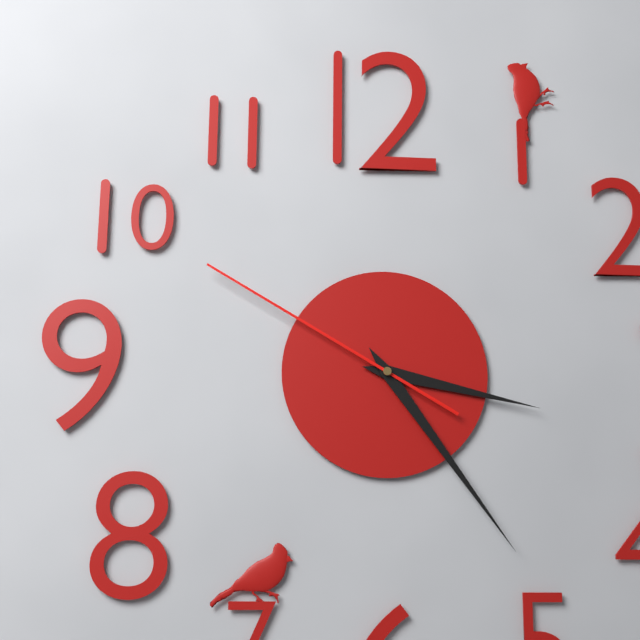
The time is **3:24:50**
